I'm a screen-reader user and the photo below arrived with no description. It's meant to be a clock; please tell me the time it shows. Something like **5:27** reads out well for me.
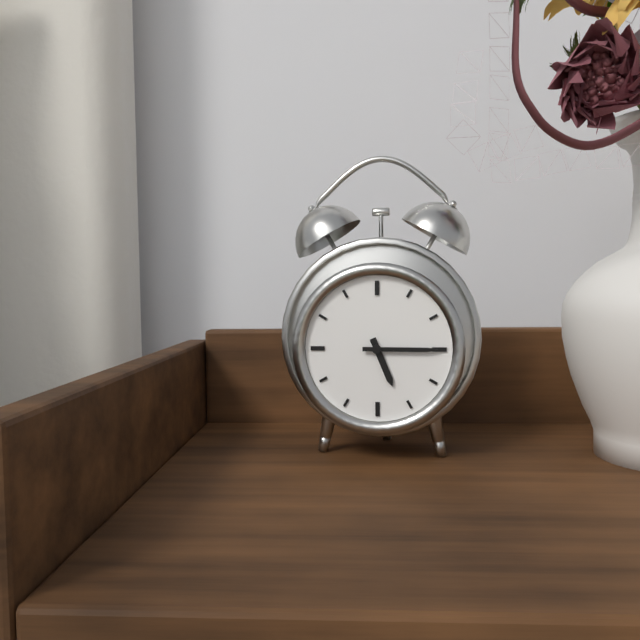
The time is **5:15**
